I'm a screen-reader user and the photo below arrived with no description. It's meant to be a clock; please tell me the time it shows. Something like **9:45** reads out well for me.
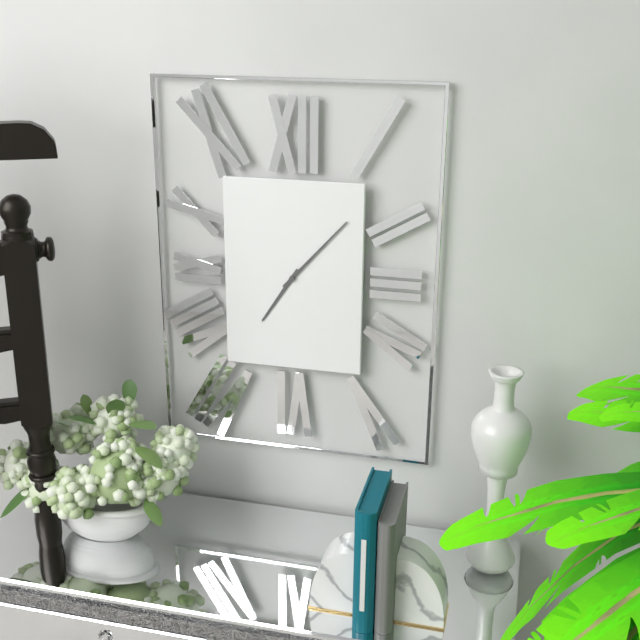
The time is **7:07**
